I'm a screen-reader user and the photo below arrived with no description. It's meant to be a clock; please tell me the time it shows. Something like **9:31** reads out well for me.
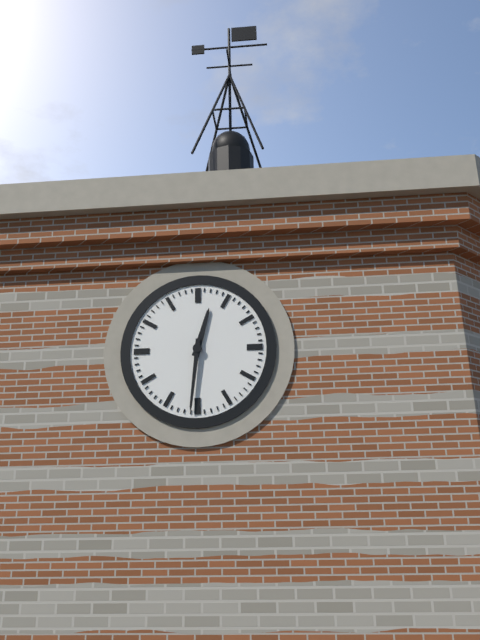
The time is **12:31**
